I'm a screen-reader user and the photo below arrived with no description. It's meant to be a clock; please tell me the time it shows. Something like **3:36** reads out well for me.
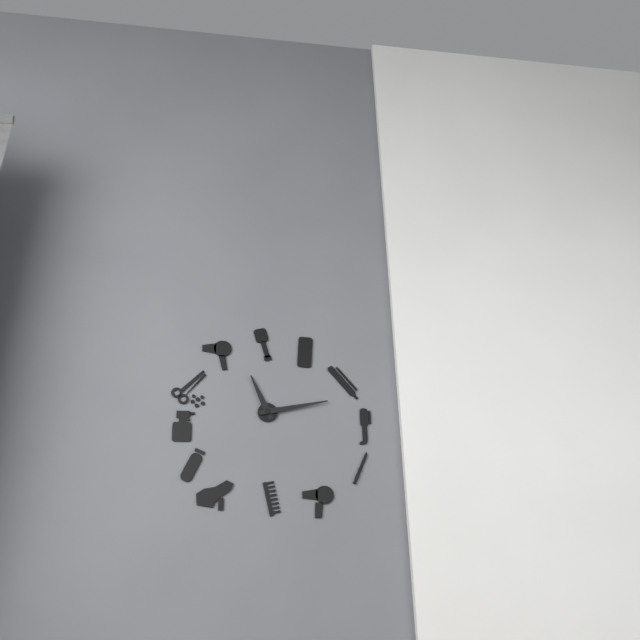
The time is **11:13**
